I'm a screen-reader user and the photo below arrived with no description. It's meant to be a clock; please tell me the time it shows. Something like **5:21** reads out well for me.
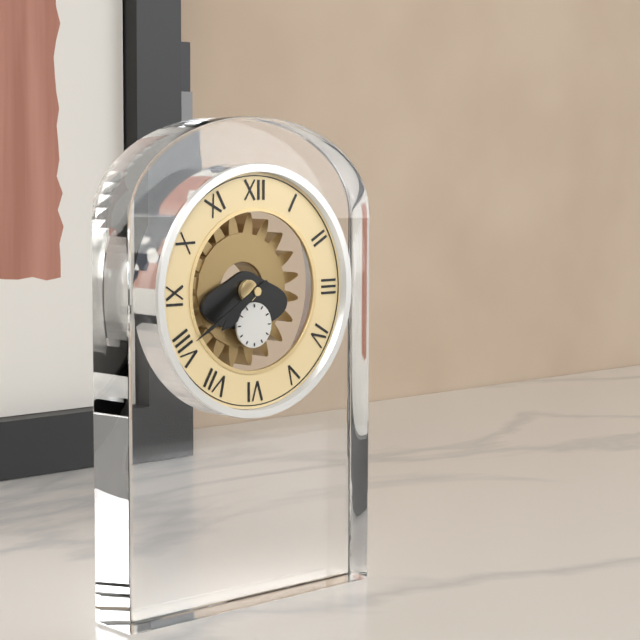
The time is **7:40**
